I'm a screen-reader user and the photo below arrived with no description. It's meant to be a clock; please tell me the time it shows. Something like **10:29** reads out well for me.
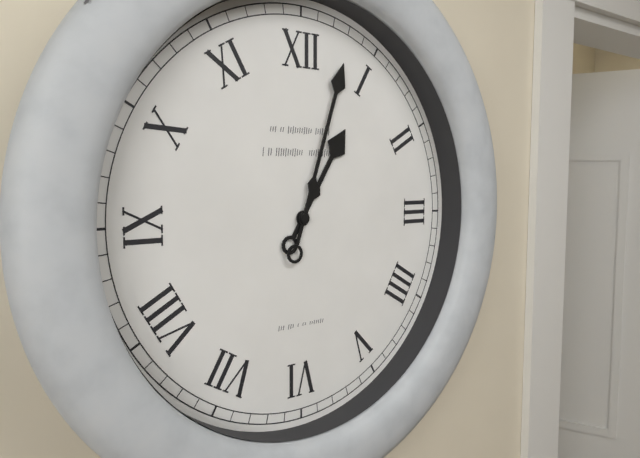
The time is **1:03**
